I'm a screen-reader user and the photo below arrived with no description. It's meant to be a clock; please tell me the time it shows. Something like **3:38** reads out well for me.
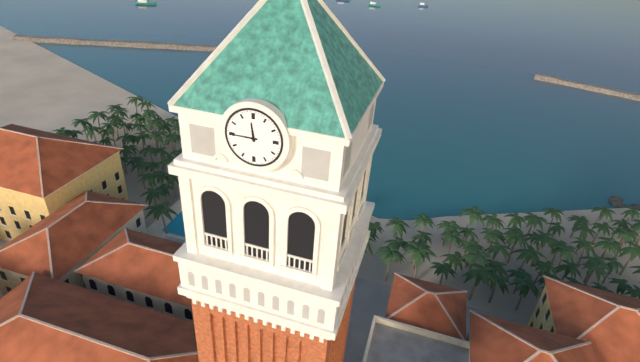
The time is **11:45**
